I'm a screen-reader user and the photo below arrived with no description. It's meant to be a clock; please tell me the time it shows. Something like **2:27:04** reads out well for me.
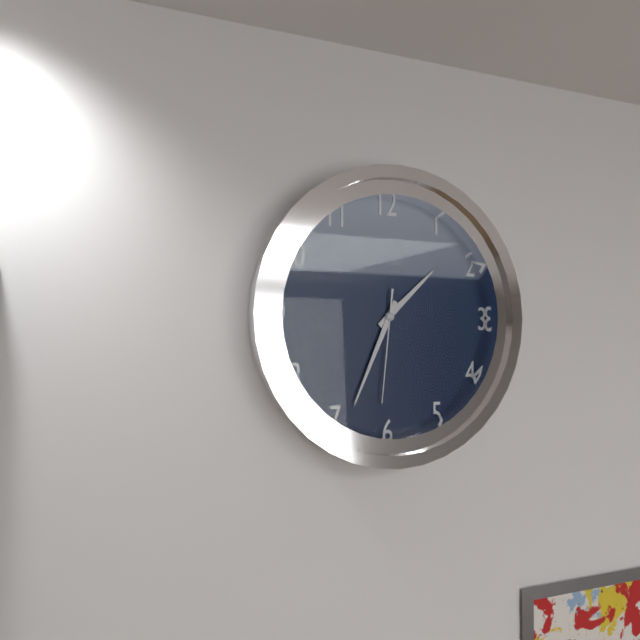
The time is **1:34:31**
